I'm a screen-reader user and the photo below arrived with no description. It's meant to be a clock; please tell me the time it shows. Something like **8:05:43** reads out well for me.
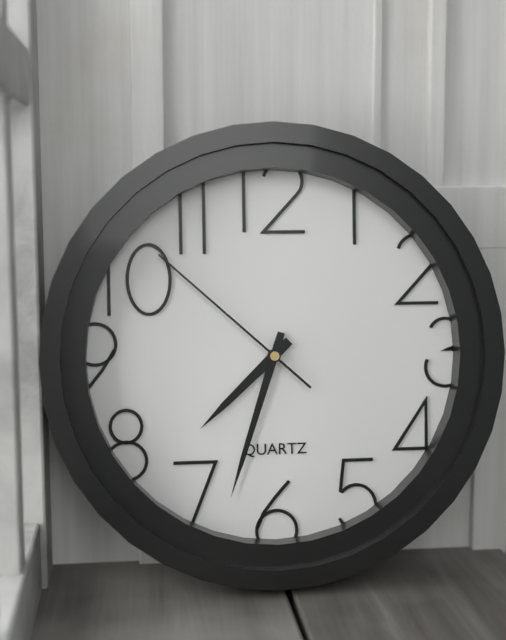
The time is **7:33:52**
